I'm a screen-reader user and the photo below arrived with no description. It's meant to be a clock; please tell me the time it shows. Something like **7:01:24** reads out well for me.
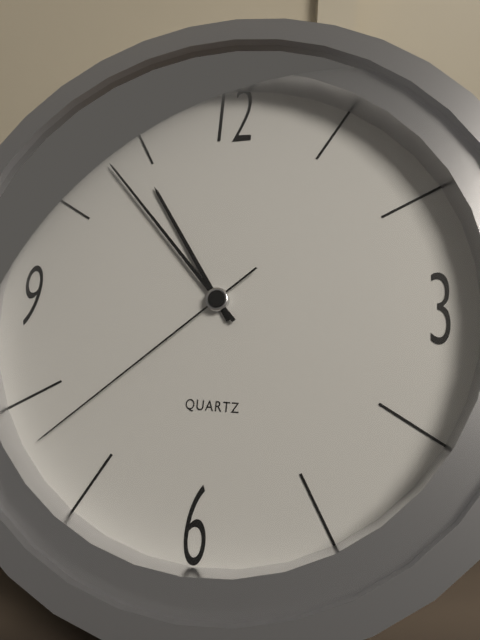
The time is **10:53:38**
